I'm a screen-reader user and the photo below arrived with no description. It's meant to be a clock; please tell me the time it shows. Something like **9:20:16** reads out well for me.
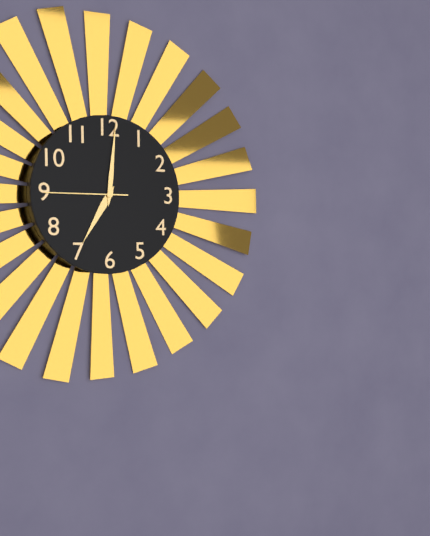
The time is **7:01:45**
